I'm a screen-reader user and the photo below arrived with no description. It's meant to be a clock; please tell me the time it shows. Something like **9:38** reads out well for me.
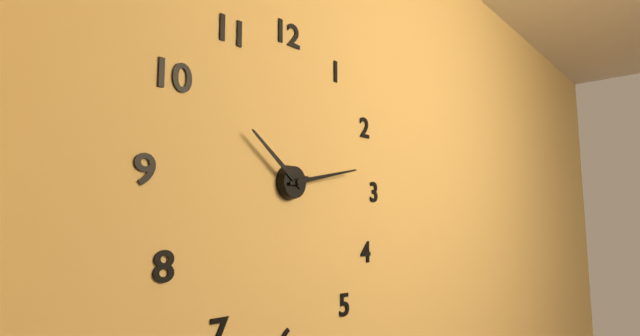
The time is **10:13**
